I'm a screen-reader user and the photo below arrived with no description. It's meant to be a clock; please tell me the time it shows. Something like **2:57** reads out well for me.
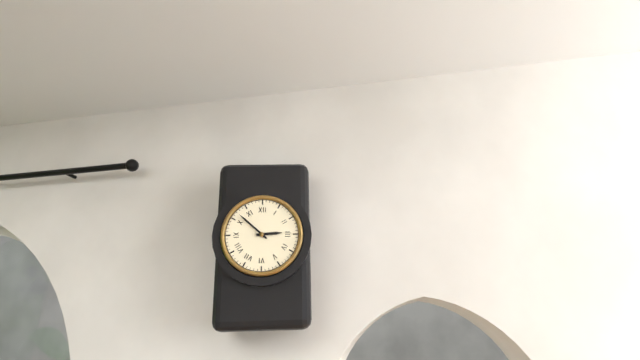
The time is **2:52**
